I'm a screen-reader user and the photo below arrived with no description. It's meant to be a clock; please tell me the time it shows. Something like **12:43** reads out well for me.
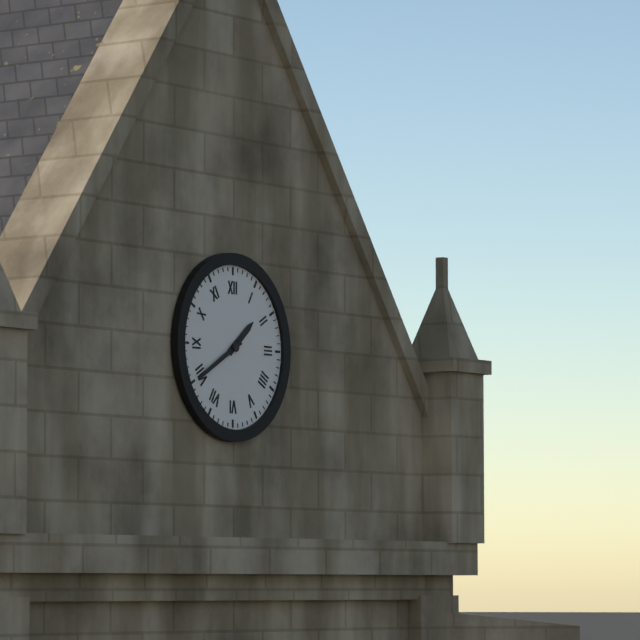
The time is **1:40**
